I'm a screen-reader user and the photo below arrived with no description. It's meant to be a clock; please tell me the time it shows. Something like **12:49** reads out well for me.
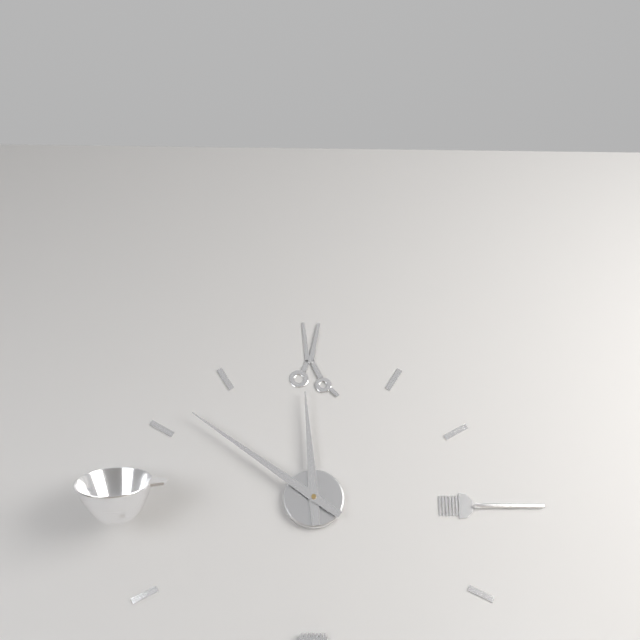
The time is **11:51**
